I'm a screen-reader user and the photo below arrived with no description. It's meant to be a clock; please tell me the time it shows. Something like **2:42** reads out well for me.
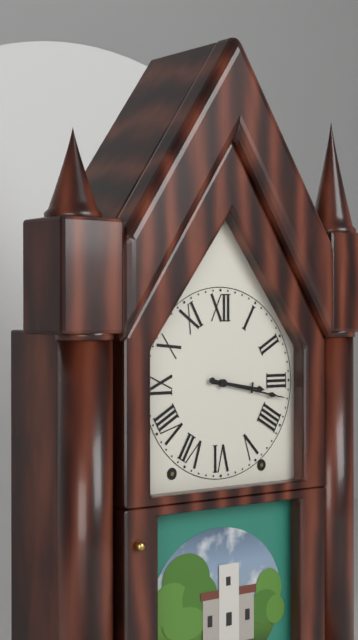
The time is **3:17**
